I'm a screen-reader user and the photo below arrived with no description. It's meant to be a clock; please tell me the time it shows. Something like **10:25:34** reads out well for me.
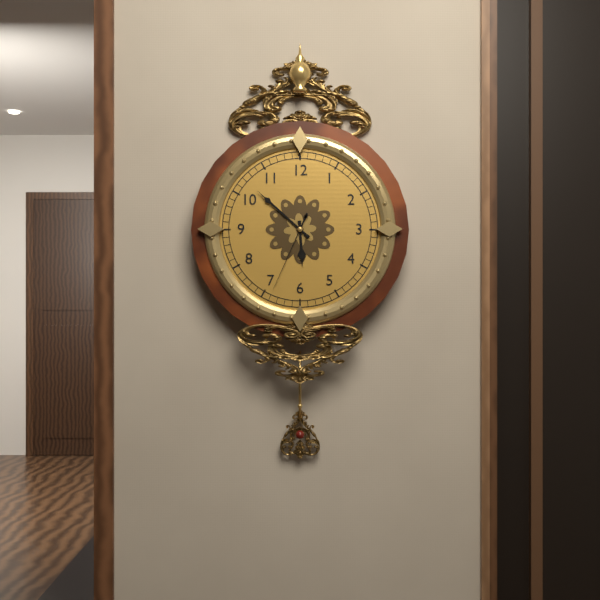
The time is **5:52:34**
